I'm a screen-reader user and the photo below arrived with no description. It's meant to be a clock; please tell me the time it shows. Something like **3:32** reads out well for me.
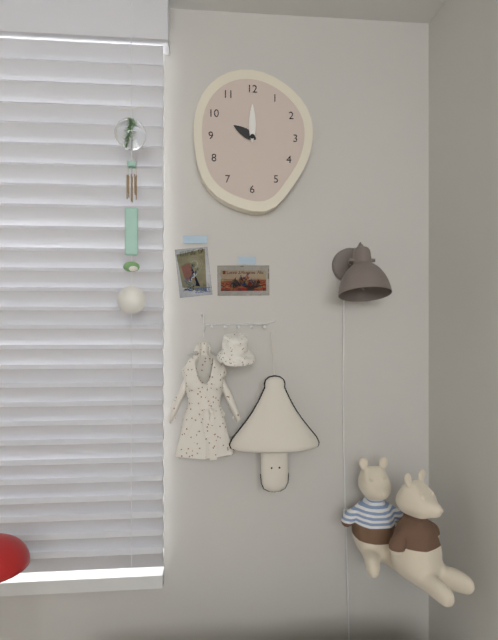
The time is **10:00**
